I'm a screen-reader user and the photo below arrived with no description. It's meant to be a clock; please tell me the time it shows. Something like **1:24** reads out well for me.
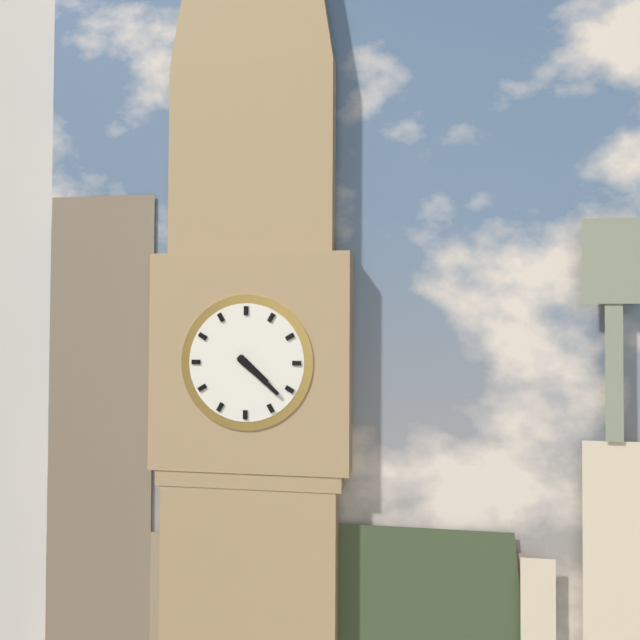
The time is **4:22**
